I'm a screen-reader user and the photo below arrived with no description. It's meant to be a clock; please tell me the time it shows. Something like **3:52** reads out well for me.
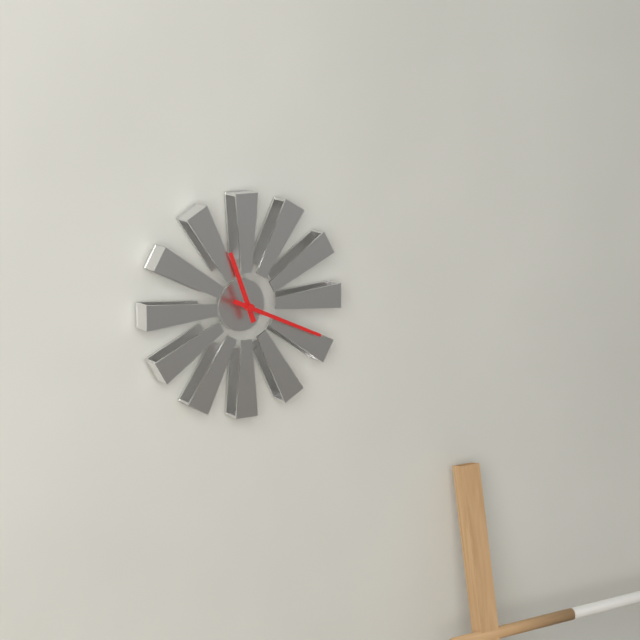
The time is **11:19**
